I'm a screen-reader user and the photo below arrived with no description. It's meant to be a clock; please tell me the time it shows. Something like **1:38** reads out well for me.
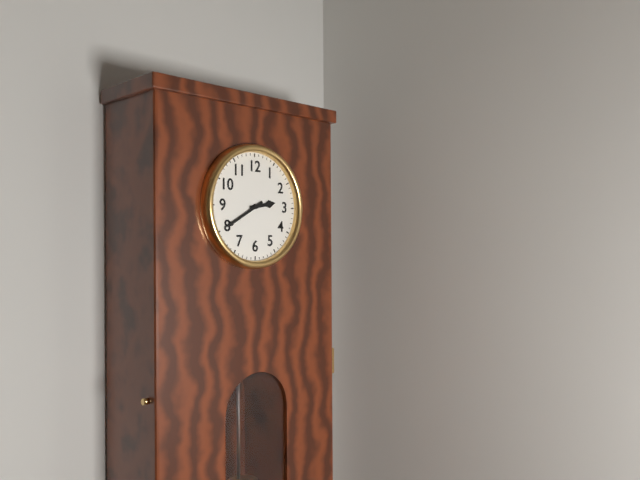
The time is **2:40**
